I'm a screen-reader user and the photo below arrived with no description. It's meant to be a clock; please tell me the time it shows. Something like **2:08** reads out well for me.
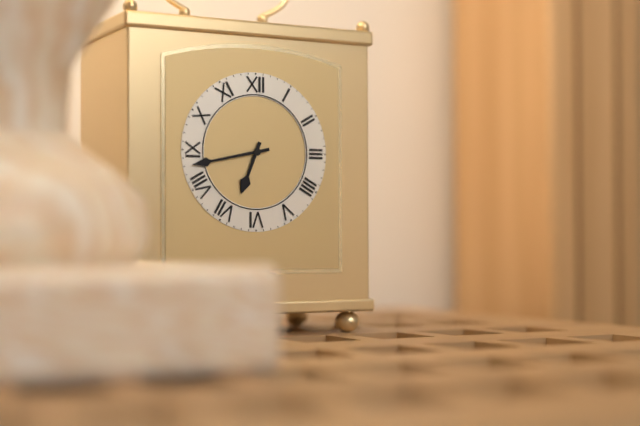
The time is **6:43**
